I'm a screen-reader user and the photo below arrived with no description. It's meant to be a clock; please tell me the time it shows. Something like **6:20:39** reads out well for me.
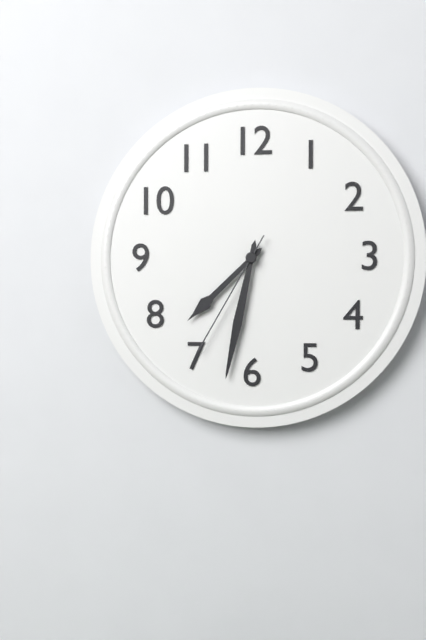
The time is **7:32:35**
